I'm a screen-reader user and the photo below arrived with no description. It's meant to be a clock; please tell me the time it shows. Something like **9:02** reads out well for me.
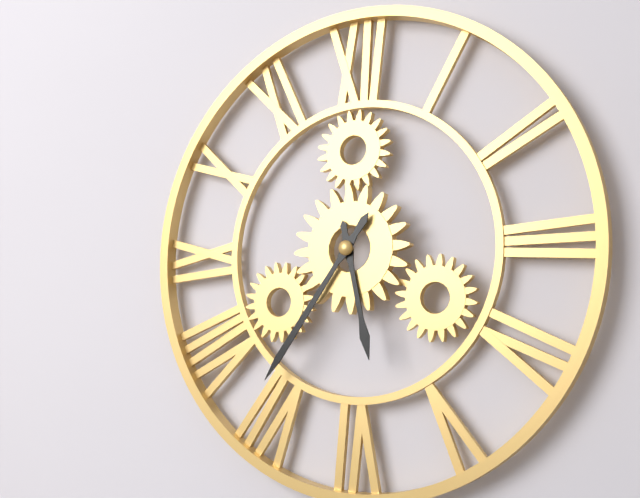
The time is **5:36**
